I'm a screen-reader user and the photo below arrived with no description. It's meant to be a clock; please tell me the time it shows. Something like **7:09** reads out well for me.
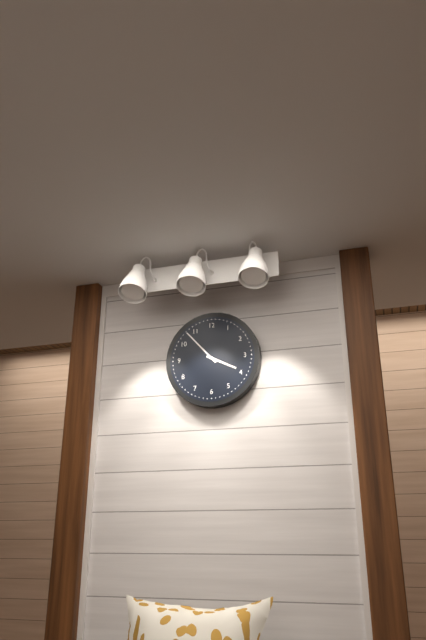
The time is **3:53**
